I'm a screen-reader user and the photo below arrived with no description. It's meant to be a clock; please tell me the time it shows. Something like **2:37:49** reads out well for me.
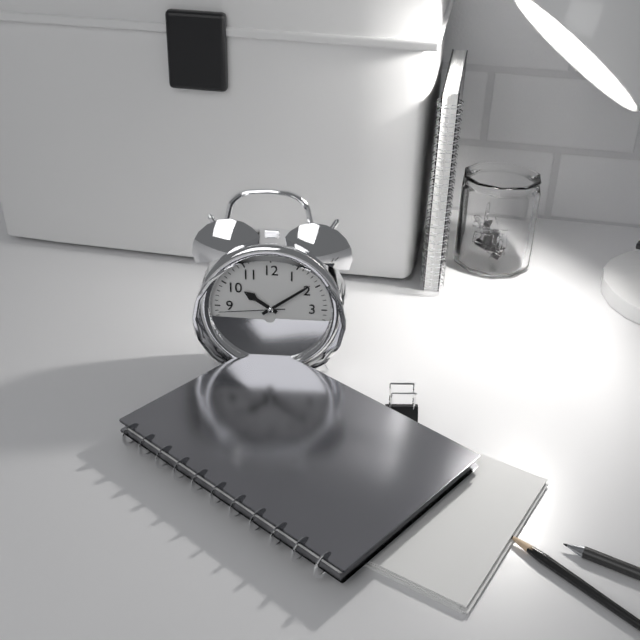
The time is **10:09:44**
